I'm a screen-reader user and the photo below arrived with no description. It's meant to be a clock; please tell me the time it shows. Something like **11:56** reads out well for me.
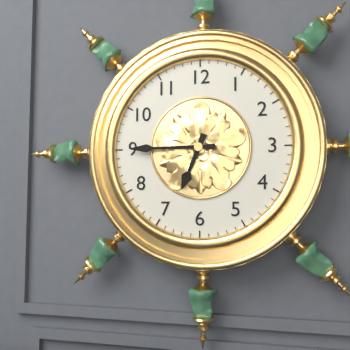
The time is **6:45**
